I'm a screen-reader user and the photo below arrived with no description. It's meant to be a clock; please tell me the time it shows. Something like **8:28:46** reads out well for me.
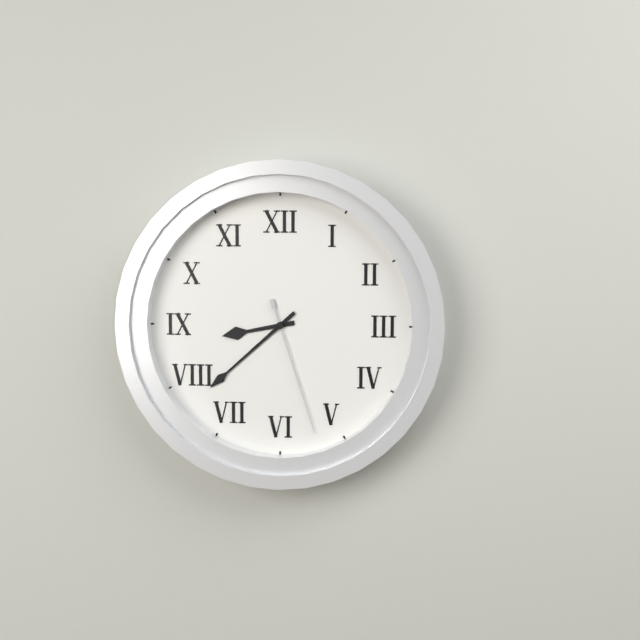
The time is **8:38:27**
